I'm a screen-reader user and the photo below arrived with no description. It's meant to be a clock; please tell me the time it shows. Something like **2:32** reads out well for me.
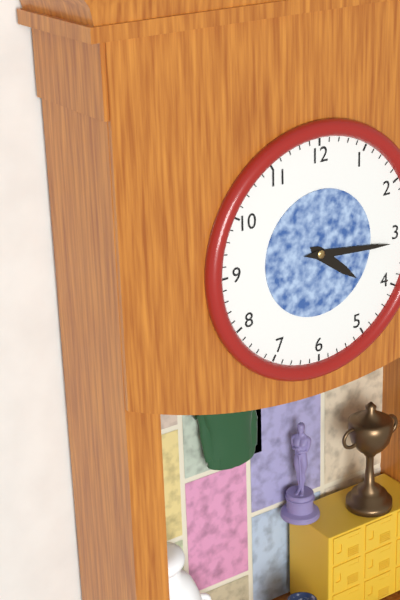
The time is **4:16**
